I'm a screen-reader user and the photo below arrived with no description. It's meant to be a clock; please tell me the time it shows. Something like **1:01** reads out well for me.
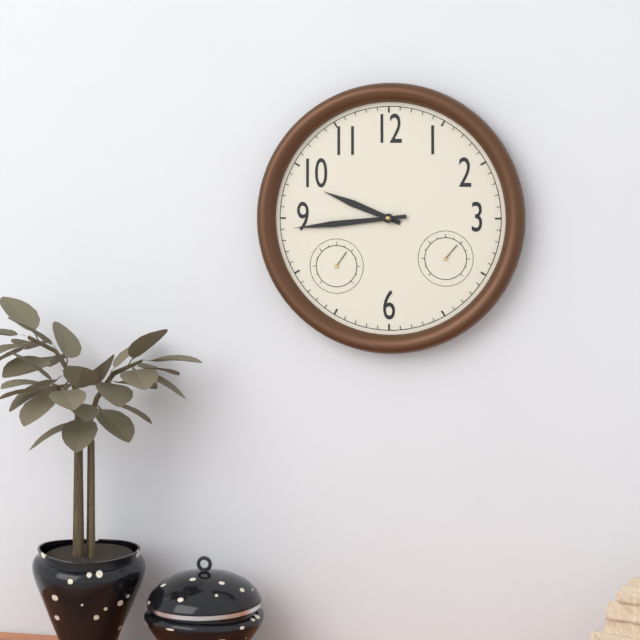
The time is **9:44**
